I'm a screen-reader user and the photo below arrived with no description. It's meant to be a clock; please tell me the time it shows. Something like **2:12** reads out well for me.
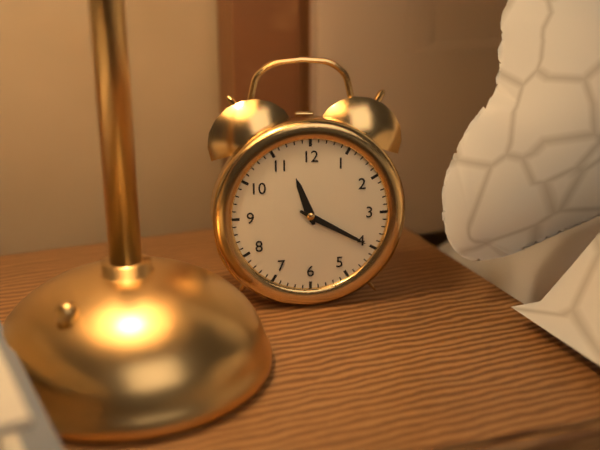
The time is **11:20**
